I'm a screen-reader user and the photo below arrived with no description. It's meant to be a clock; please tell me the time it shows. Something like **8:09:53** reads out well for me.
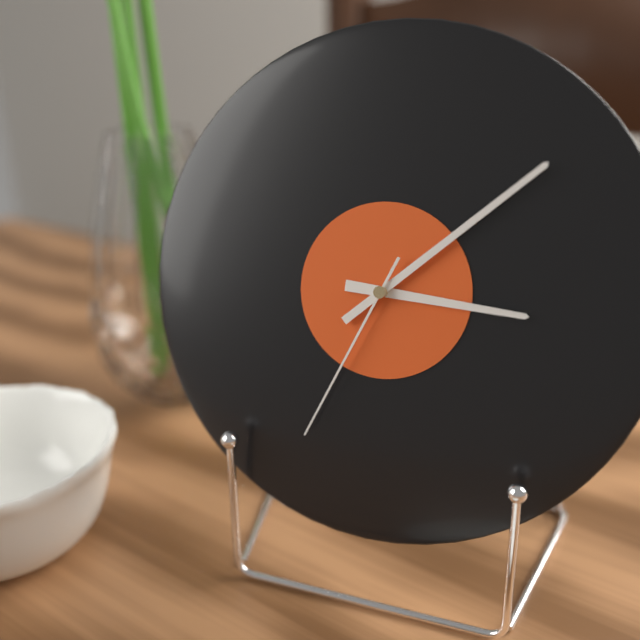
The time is **3:08:34**
